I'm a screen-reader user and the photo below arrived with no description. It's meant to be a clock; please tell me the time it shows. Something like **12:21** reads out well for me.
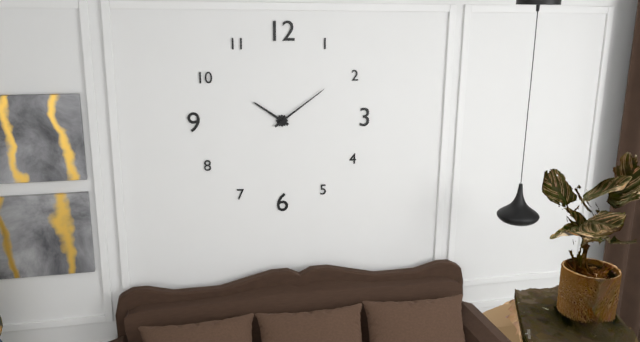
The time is **10:09**
